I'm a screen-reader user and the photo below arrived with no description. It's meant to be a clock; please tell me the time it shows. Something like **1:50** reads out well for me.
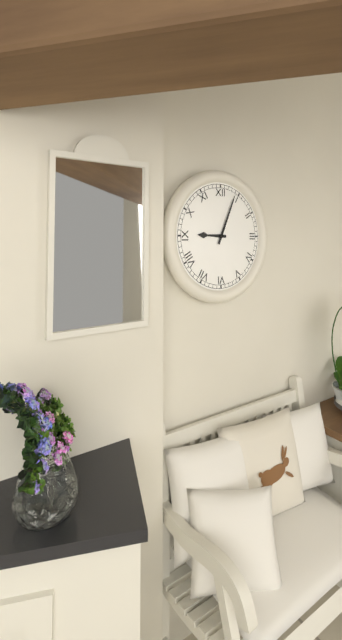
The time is **9:04**
